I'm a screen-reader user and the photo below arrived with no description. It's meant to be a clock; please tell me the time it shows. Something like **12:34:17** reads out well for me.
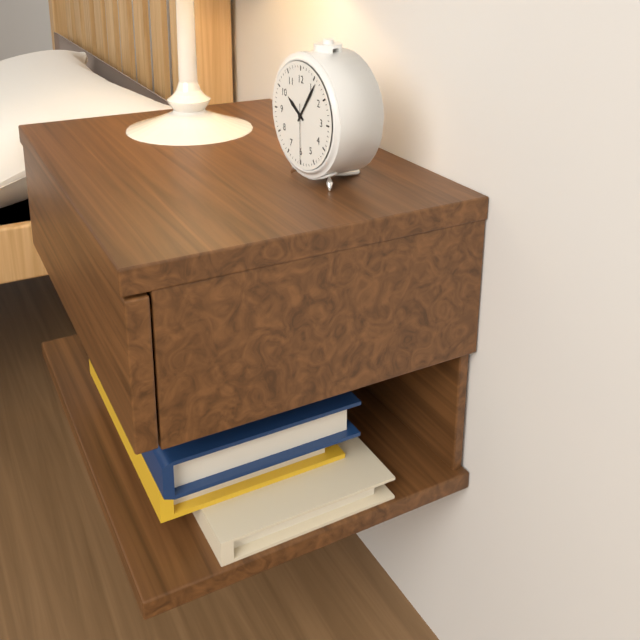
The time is **10:06:30**
